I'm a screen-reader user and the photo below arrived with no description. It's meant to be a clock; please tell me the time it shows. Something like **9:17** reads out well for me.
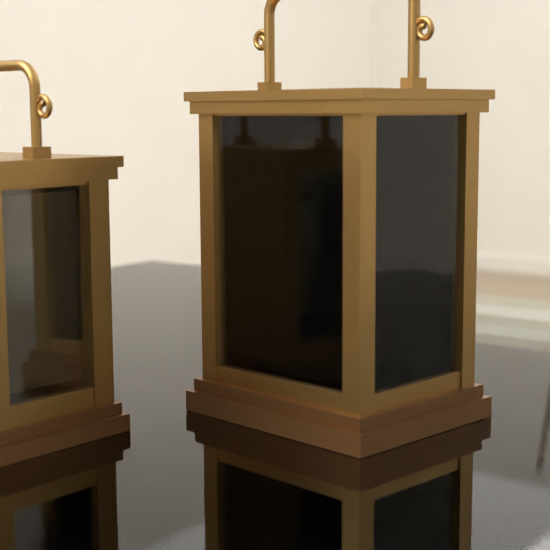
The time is **11:20**
